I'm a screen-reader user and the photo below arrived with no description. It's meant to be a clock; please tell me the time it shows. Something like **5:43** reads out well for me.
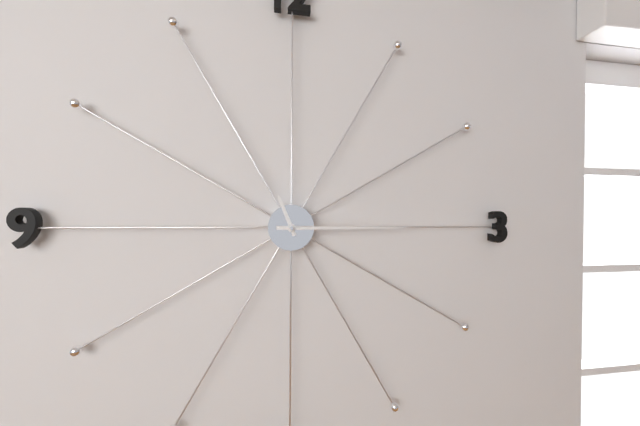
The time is **11:15**
